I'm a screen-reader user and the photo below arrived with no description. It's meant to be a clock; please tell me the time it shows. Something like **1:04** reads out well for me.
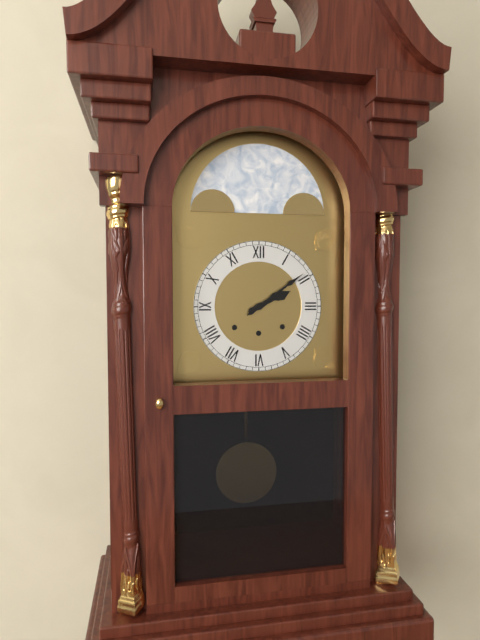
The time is **2:09**
